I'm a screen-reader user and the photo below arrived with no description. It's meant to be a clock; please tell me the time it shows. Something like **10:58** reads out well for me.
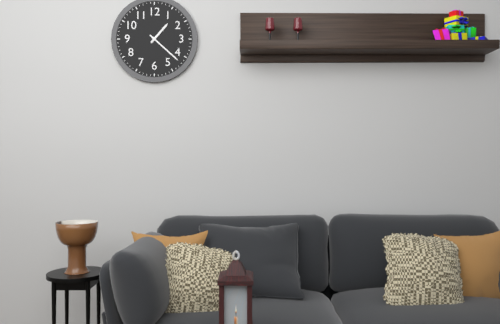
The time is **1:22**
